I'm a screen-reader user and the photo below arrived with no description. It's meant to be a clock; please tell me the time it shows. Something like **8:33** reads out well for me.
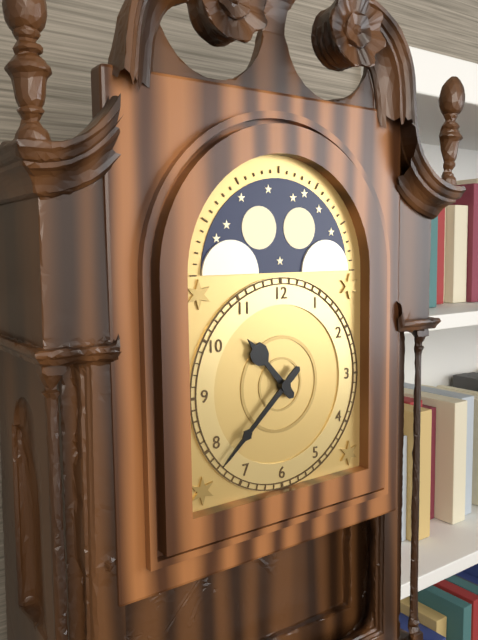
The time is **10:38**
